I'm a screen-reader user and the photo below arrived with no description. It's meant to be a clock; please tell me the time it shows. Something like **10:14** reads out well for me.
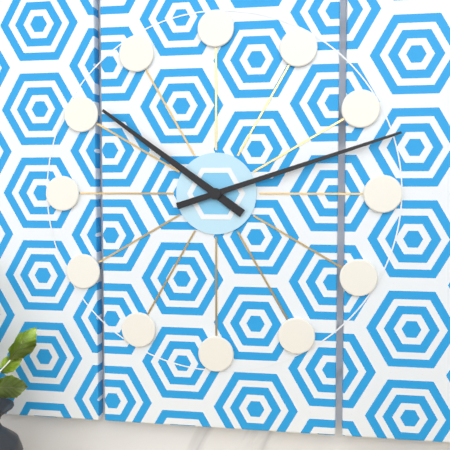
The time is **10:12**
